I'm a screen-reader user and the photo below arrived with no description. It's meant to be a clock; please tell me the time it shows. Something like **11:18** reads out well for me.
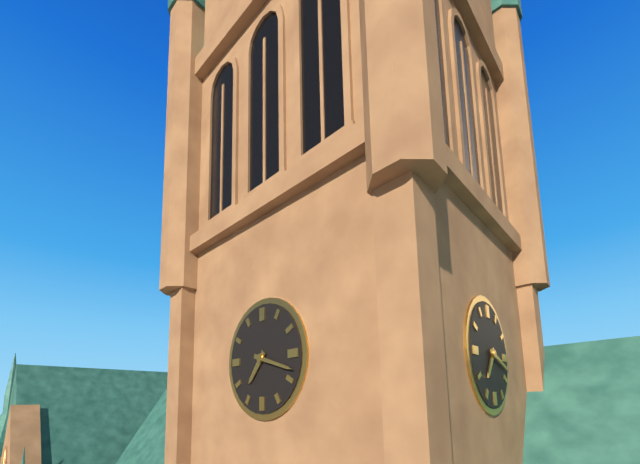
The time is **7:18**
